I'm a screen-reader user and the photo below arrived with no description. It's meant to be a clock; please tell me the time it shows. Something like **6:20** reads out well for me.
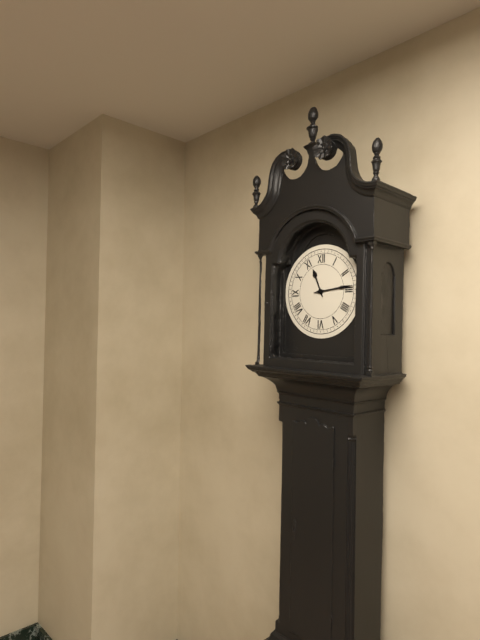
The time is **11:14**
